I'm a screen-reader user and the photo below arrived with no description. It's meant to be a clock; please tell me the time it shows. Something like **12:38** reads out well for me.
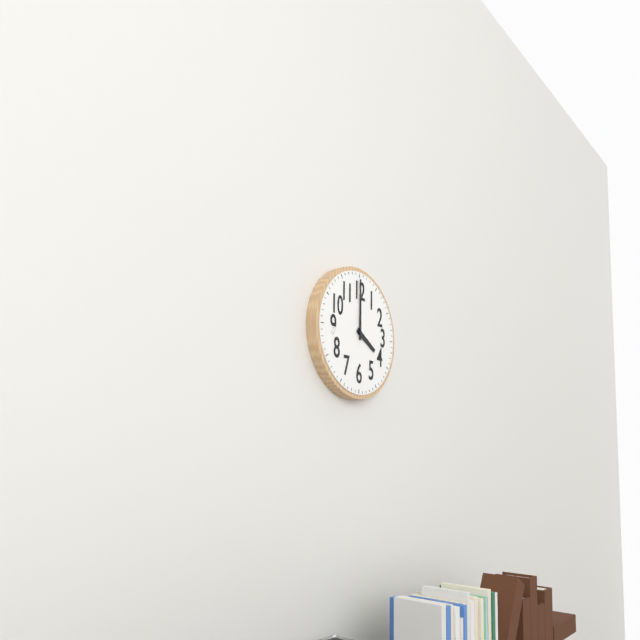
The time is **4:00**
